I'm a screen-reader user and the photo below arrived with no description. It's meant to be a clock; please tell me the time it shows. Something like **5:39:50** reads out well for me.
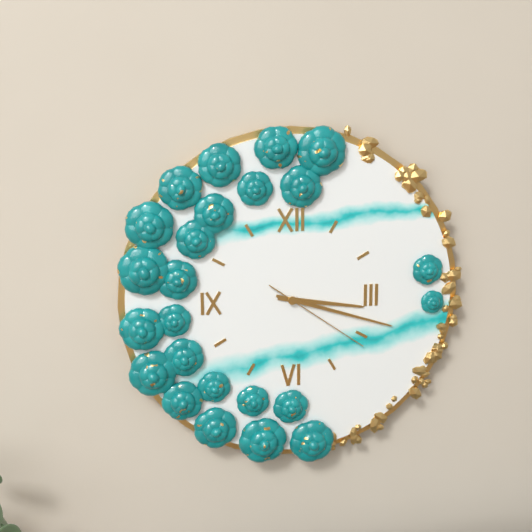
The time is **3:18:21**
